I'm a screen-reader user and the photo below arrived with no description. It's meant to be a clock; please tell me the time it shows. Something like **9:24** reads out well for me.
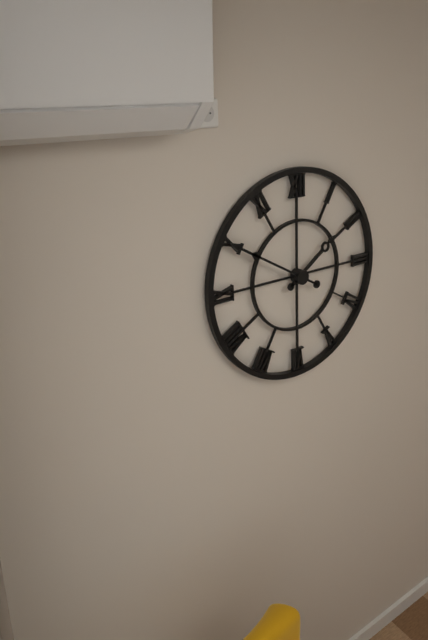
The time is **1:50**
